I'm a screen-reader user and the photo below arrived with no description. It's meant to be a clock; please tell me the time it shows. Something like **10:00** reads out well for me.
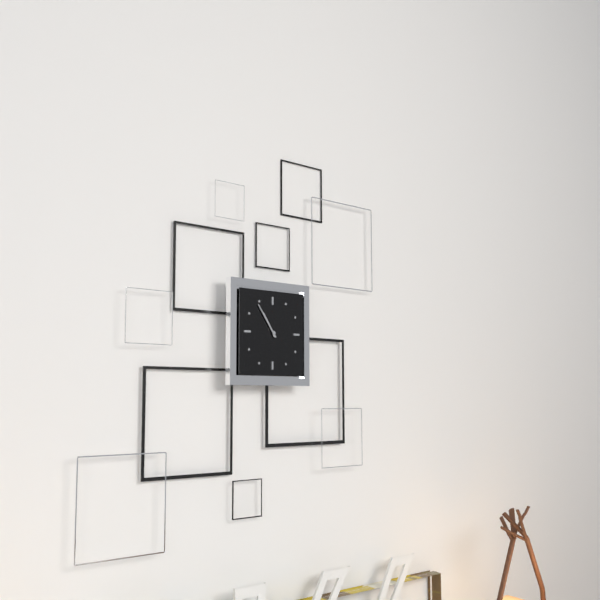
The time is **10:54**
